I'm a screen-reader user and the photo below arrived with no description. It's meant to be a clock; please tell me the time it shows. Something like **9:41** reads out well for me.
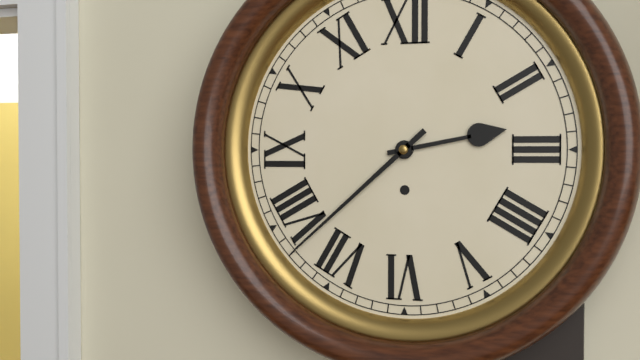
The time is **2:38**
